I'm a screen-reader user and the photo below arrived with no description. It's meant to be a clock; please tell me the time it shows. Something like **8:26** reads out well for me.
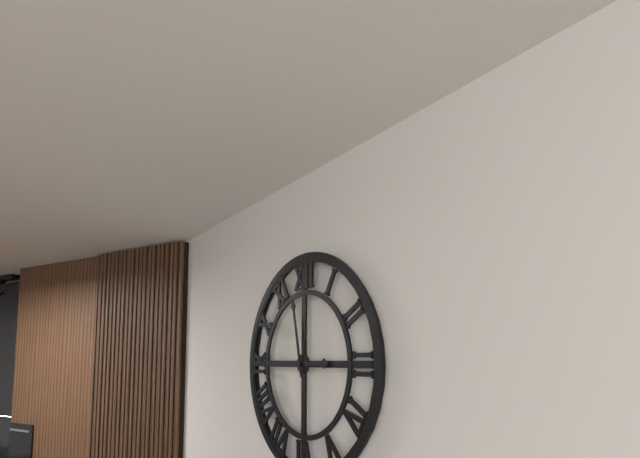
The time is **2:58**
